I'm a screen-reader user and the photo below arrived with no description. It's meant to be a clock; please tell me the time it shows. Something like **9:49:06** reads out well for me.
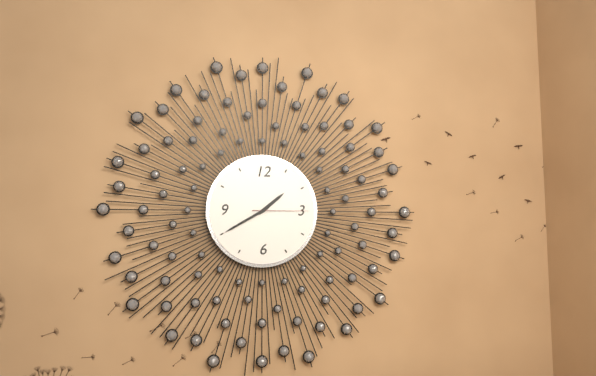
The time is **1:40:15**
